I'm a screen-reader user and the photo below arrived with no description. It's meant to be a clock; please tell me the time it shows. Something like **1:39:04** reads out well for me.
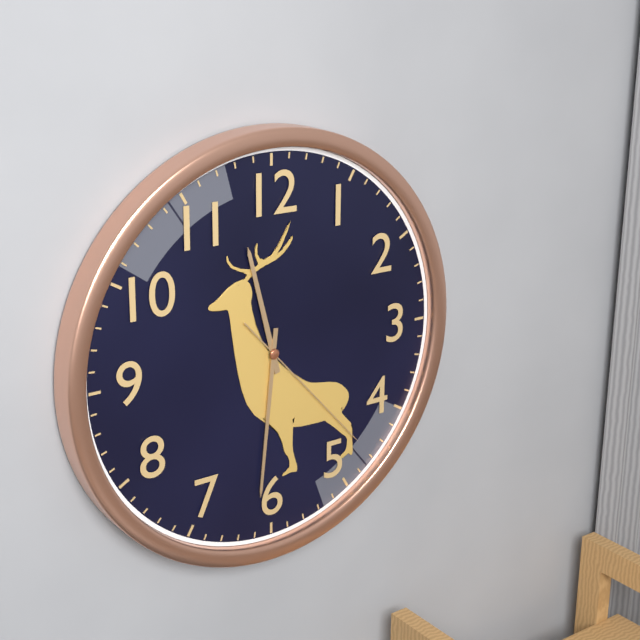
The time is **11:31:23**
